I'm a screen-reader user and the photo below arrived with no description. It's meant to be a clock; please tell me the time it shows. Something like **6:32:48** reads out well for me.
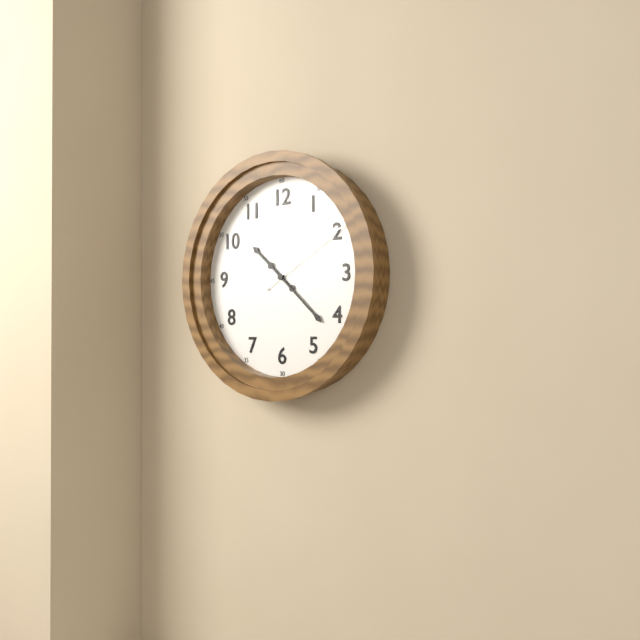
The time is **10:22:10**
